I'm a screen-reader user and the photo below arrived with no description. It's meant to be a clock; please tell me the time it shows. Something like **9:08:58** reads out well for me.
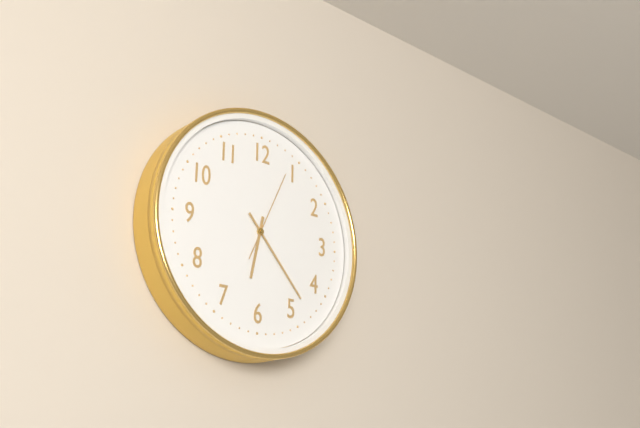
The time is **6:23:04**
